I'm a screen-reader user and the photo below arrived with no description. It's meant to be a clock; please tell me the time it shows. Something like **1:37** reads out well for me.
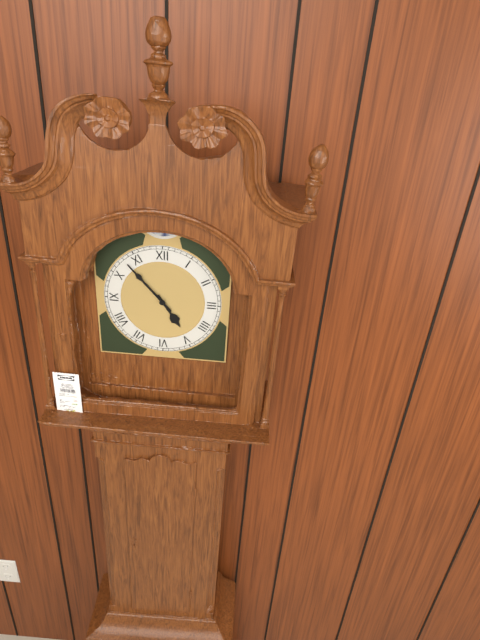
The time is **4:53**
